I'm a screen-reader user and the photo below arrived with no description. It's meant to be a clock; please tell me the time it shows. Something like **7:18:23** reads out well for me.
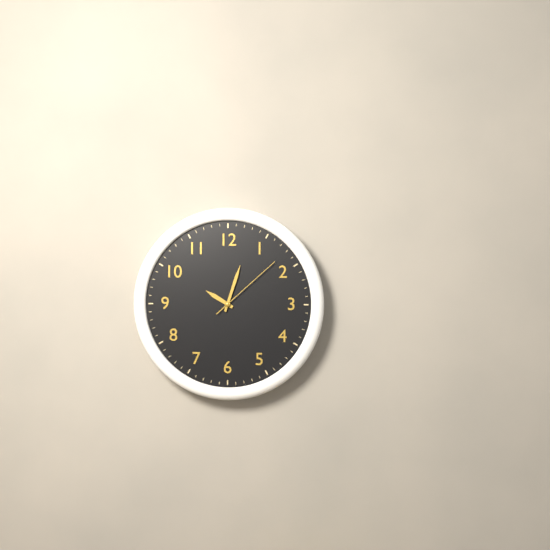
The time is **10:03:08**
